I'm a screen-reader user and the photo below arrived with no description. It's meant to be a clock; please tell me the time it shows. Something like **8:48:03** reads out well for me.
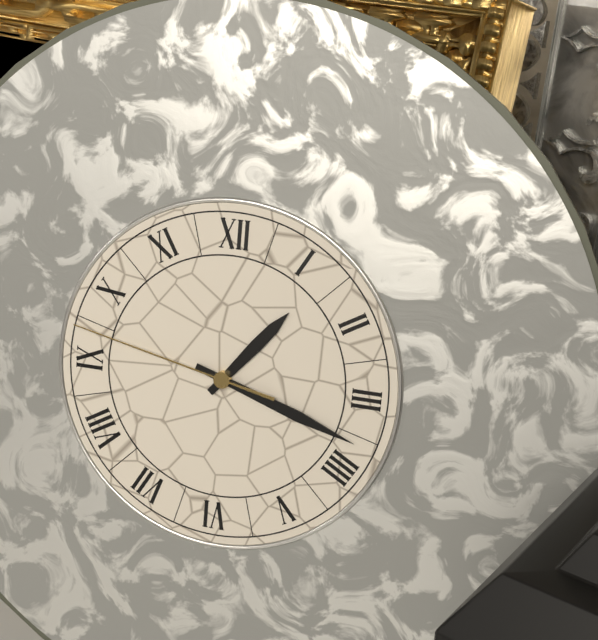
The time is **1:18:47**
